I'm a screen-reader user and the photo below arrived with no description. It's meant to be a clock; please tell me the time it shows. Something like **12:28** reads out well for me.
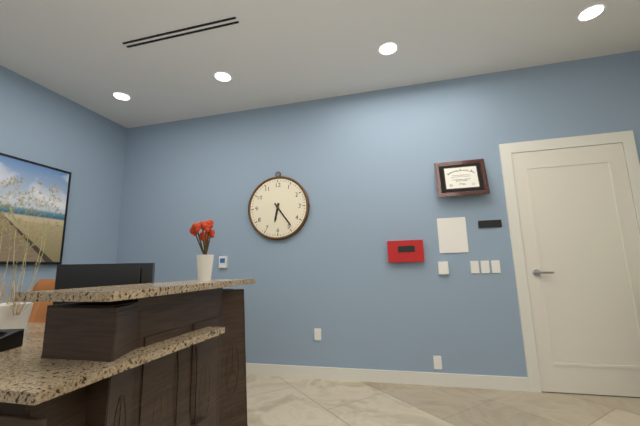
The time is **6:24**
